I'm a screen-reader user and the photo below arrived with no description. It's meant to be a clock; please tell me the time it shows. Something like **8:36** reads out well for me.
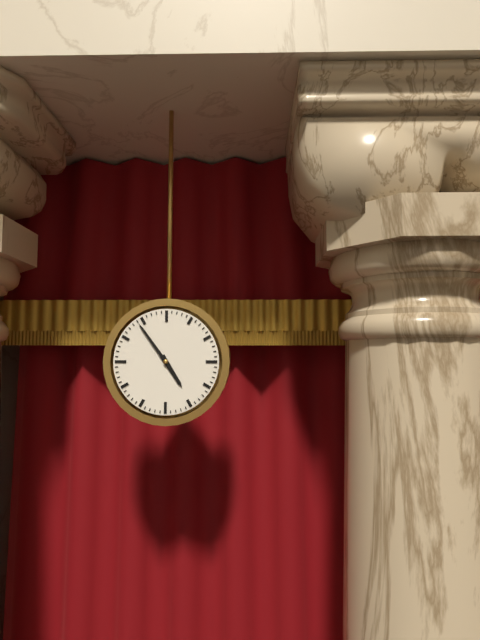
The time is **4:54**
